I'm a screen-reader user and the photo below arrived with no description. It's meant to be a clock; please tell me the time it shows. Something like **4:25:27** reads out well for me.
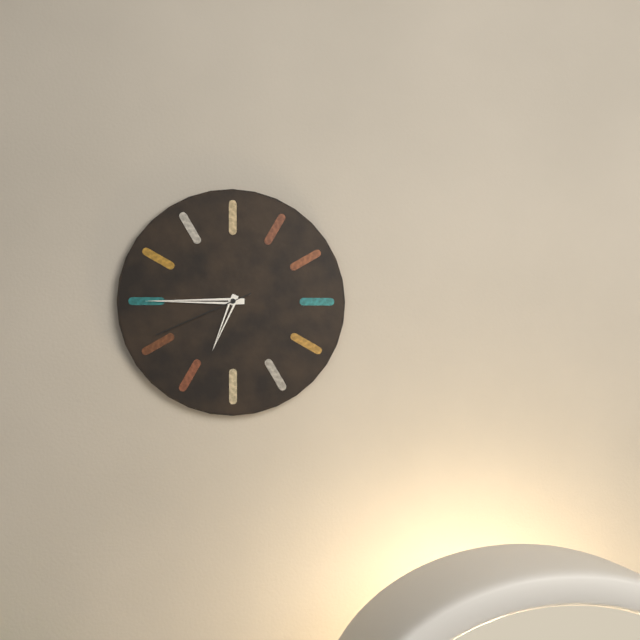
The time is **6:45:41**
